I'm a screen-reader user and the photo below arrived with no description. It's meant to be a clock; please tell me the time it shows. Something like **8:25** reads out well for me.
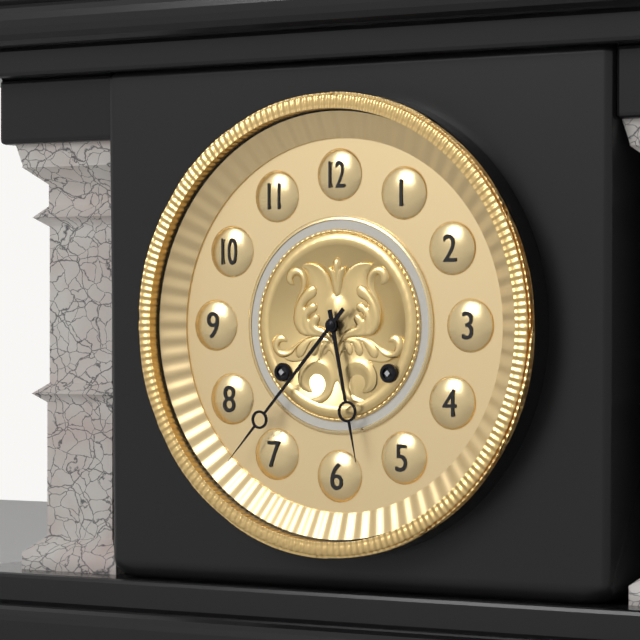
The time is **5:37**
